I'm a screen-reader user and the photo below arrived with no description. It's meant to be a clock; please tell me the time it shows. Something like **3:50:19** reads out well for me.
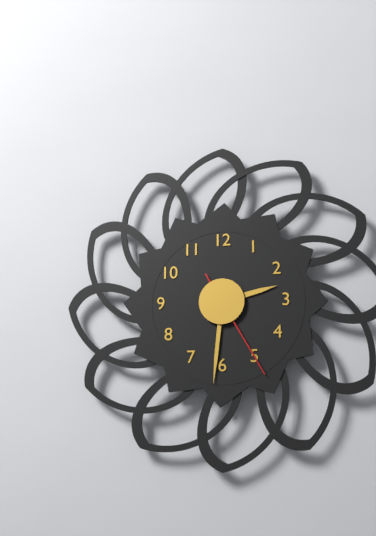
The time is **2:31:25**
